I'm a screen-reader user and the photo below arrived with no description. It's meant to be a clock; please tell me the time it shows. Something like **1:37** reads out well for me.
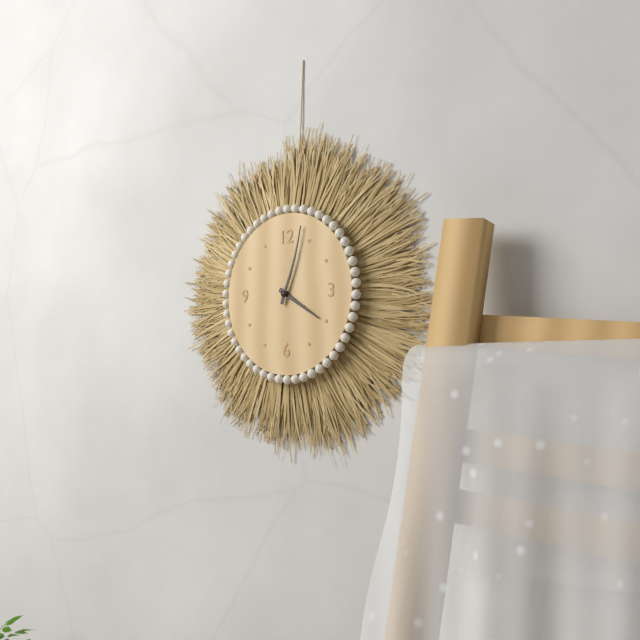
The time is **4:03**
